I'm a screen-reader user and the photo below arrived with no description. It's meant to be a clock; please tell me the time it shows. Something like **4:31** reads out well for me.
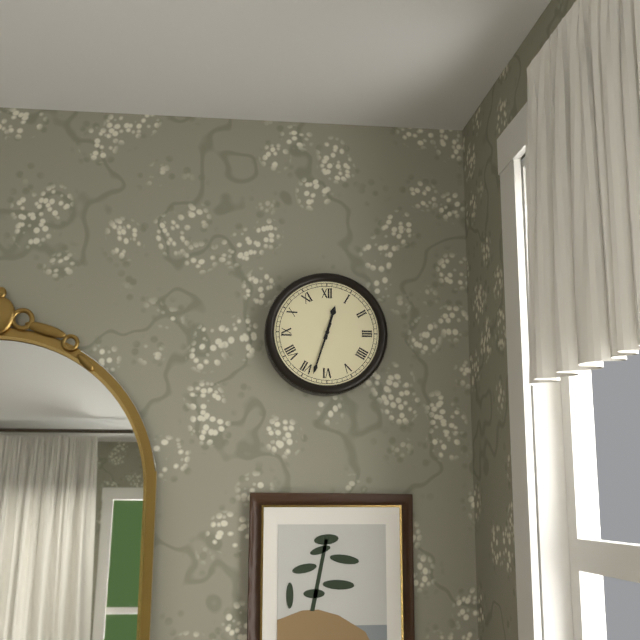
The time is **12:33**
